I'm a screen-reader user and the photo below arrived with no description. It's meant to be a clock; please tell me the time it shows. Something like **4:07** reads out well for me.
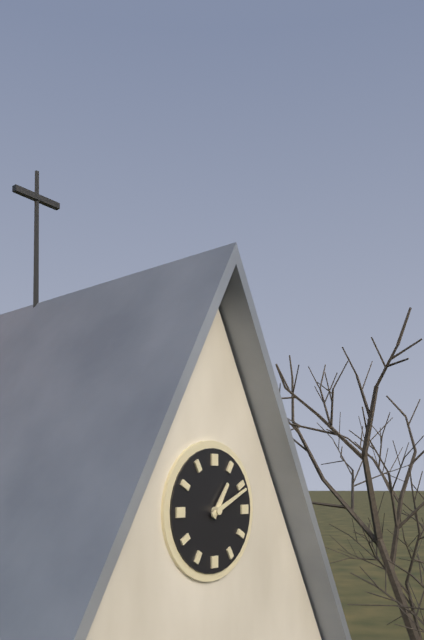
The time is **1:11**
